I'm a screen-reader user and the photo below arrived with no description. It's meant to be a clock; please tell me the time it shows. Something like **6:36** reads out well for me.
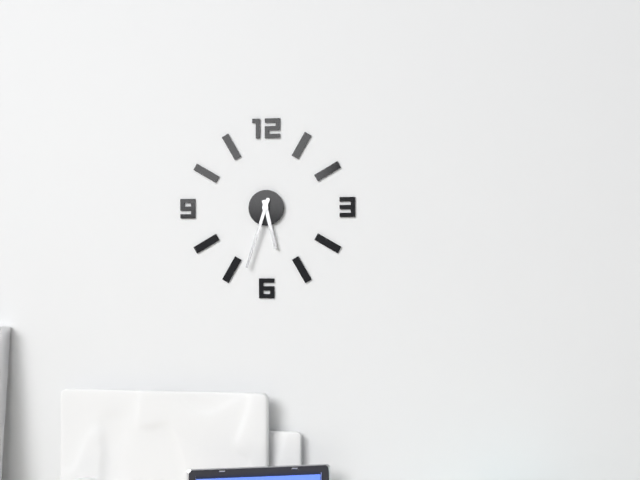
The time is **5:33**
